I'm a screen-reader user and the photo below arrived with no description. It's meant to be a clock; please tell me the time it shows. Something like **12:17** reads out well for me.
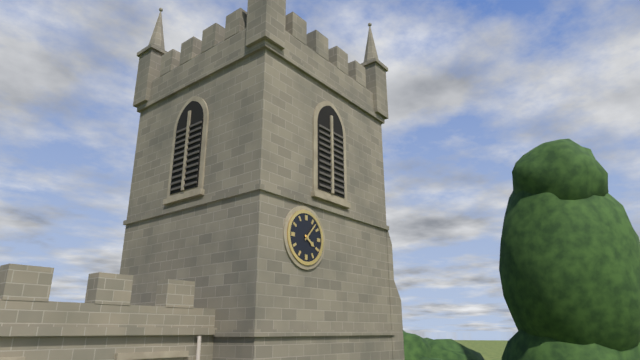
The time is **4:07**
